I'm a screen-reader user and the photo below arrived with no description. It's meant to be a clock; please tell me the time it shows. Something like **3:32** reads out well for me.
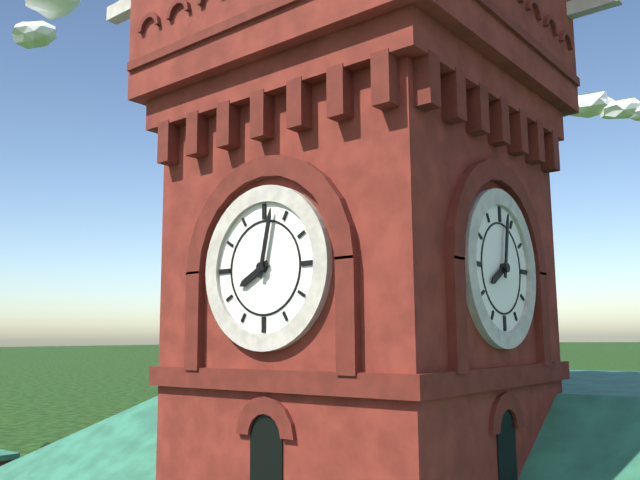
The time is **8:02**
